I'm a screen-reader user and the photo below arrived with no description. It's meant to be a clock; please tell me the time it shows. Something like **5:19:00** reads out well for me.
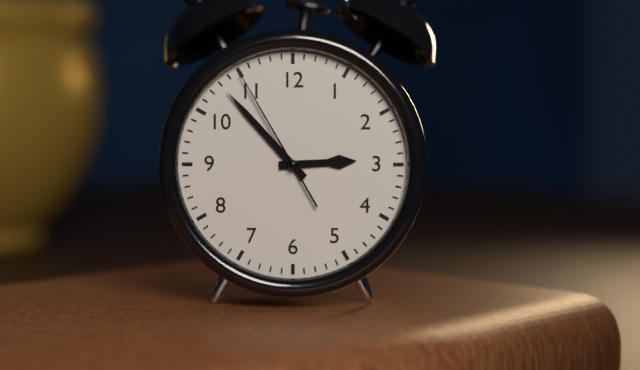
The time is **2:53:55**
